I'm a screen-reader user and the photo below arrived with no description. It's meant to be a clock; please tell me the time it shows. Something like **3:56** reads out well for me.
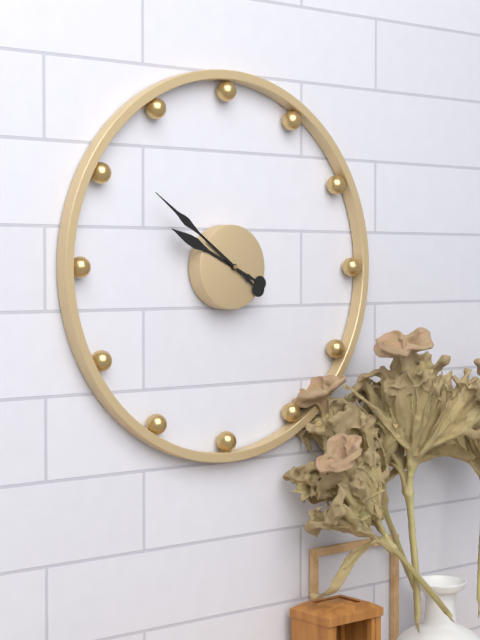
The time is **9:51**
